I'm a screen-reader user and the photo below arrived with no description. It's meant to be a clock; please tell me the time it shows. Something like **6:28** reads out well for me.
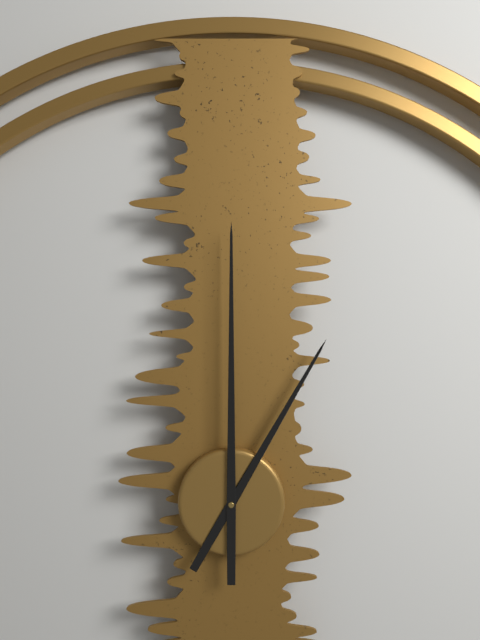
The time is **1:00**
